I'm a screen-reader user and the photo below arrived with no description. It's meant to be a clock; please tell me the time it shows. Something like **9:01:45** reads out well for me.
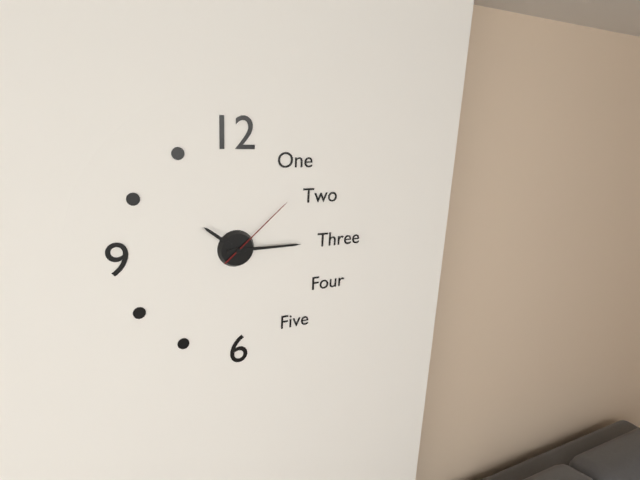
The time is **10:15:08**
